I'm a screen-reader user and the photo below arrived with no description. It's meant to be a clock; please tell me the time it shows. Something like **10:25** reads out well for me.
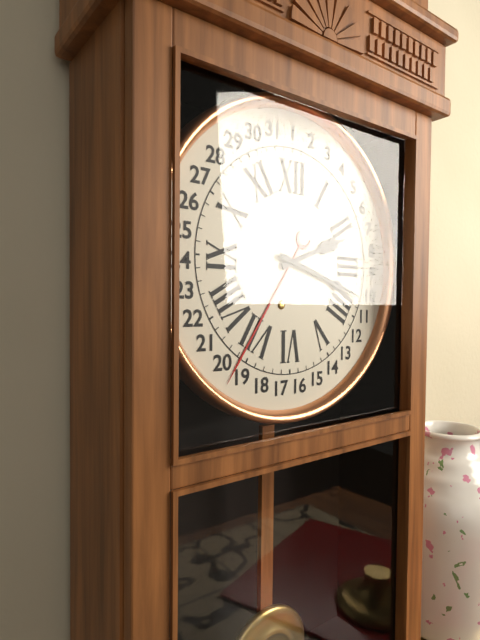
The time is **2:18**
